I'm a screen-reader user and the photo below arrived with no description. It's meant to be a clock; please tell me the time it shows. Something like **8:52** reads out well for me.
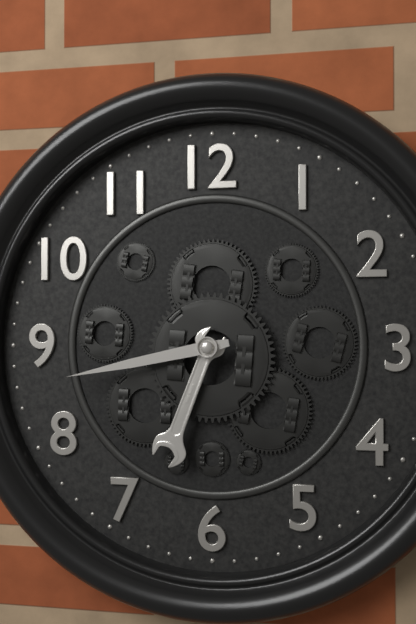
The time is **6:43**
